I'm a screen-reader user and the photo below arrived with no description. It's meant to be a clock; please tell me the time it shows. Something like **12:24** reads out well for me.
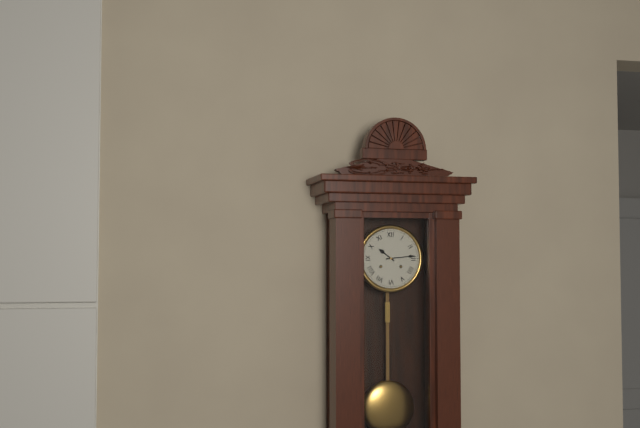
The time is **10:14**
